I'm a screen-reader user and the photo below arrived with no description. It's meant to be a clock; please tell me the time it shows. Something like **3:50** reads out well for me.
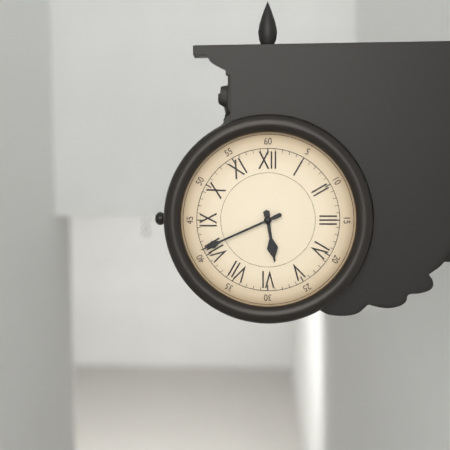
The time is **5:41**
